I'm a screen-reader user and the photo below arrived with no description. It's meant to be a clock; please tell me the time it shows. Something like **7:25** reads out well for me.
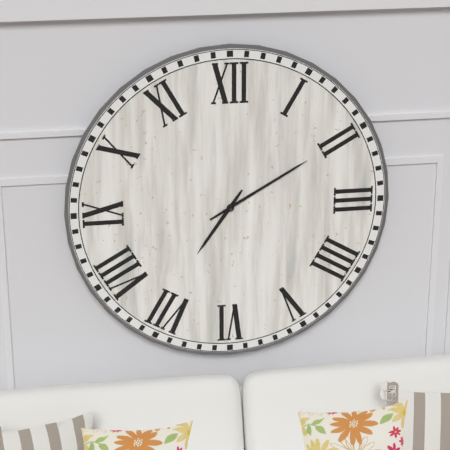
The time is **7:10**
